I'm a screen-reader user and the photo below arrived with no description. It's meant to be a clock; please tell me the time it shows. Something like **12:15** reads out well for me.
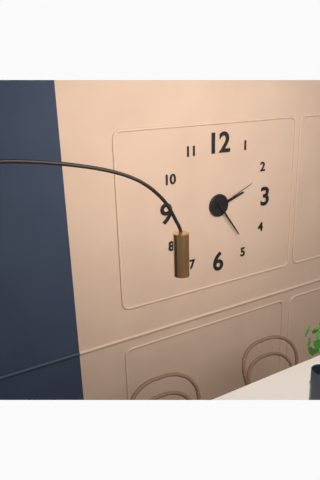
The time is **2:24**
